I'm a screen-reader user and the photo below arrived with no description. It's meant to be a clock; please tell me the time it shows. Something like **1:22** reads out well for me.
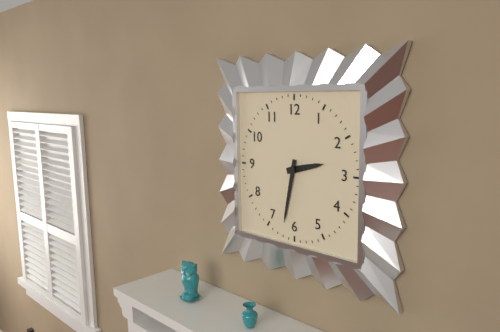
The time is **2:32**
